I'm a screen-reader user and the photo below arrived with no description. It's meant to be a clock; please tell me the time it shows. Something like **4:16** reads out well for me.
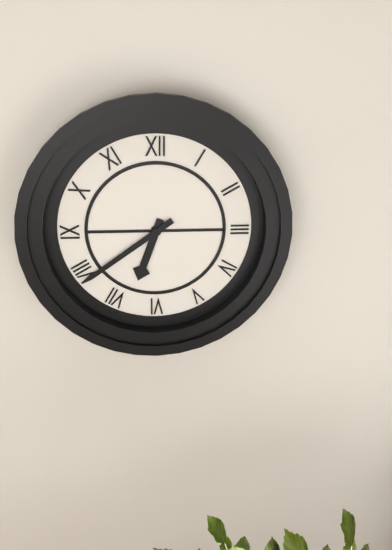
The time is **6:39**
